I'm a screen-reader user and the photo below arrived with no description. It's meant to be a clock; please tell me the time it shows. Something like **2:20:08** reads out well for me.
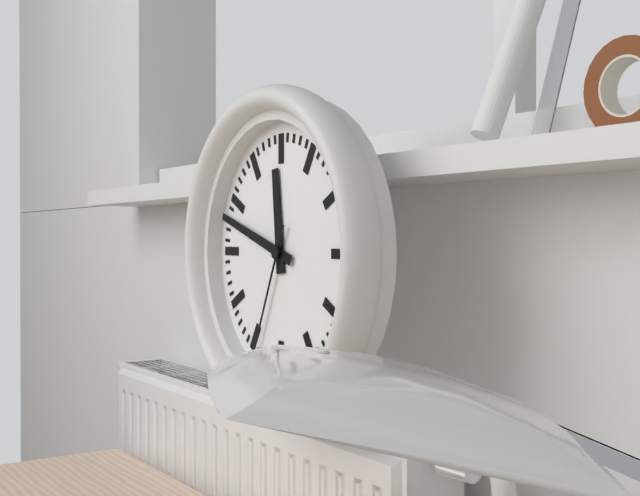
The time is **11:48:34**
